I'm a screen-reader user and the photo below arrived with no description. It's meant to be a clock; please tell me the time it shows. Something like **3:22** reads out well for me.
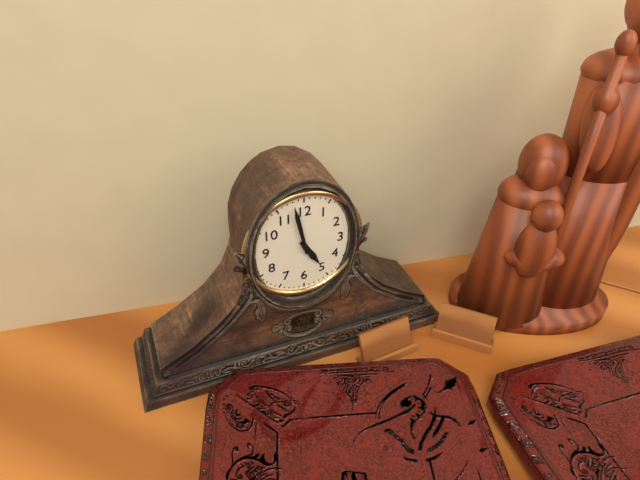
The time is **4:58**
